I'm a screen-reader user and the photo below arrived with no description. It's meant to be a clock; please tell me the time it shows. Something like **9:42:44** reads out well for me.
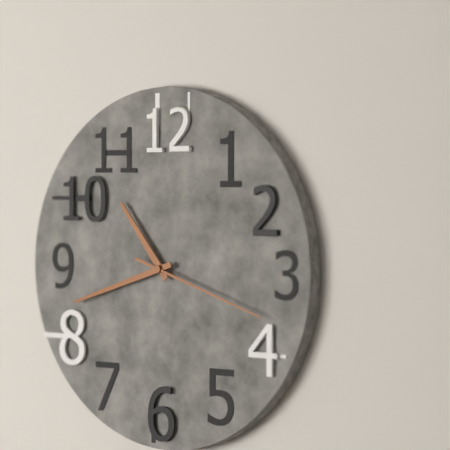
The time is **10:42:18**
